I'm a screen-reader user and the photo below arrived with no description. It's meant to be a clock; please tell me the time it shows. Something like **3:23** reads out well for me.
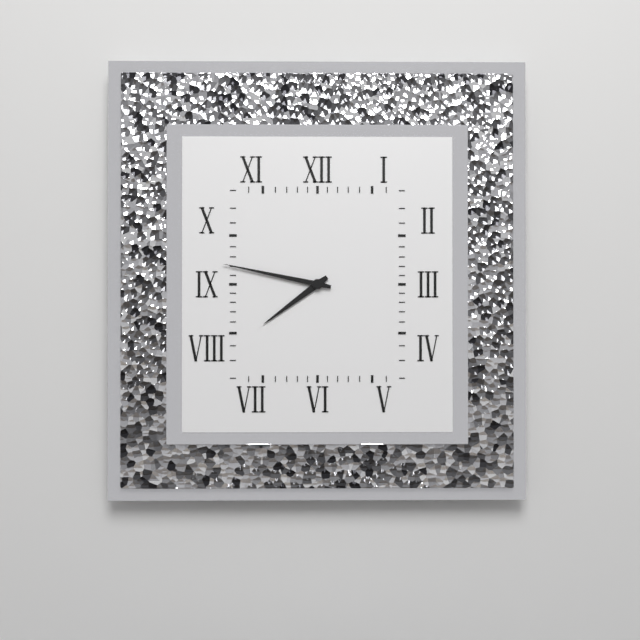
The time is **7:47**
